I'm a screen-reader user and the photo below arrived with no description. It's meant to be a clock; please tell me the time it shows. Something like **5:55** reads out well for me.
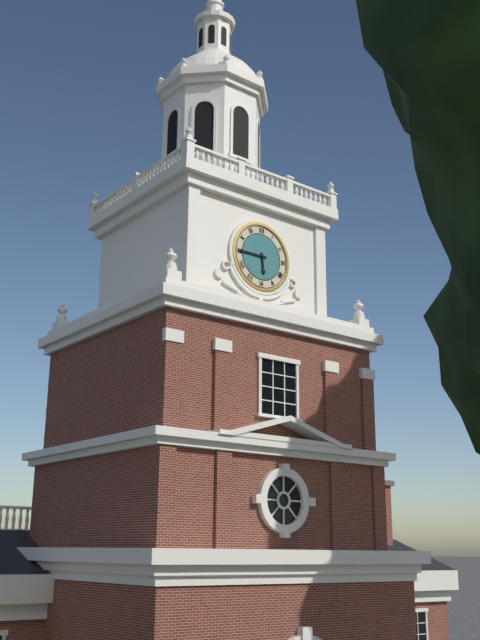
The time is **5:45**
